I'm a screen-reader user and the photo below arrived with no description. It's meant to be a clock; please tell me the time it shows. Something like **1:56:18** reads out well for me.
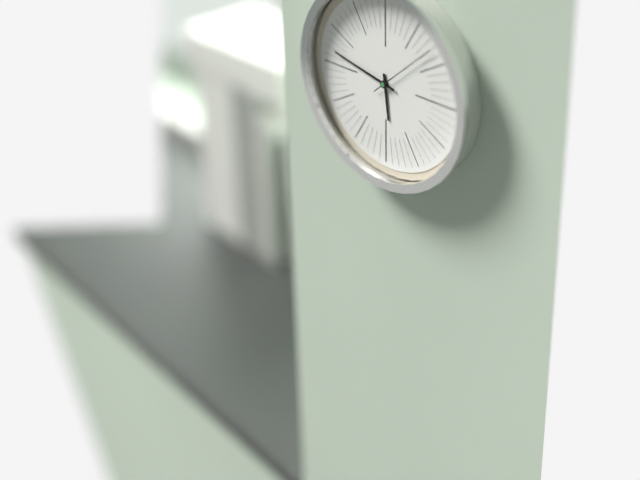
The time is **5:47:08**
